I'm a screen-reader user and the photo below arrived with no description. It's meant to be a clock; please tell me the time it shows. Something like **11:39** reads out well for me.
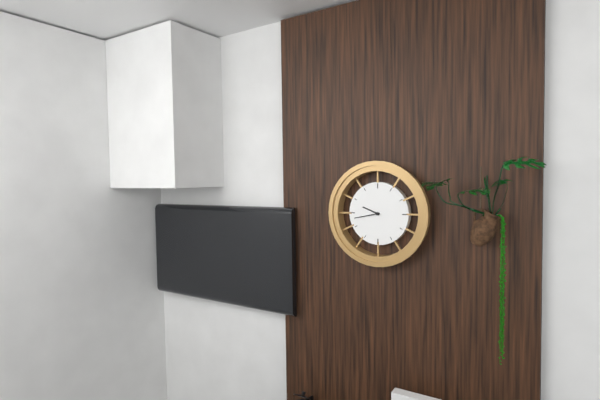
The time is **9:43**
